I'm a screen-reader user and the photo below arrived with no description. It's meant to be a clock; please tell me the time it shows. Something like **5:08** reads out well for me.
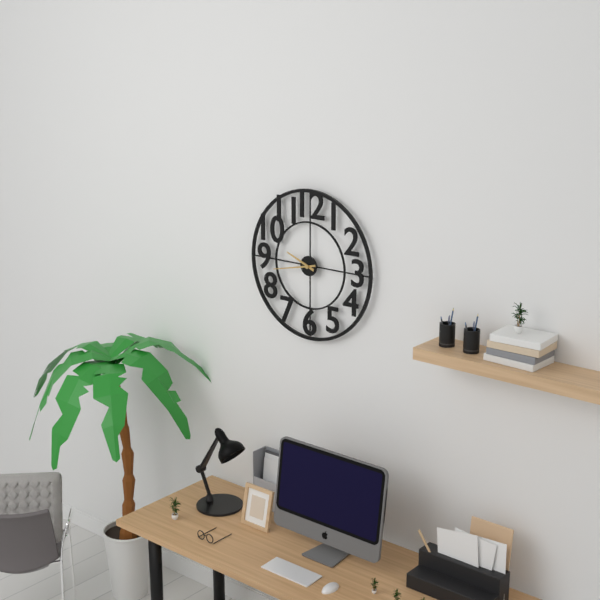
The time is **9:43**
